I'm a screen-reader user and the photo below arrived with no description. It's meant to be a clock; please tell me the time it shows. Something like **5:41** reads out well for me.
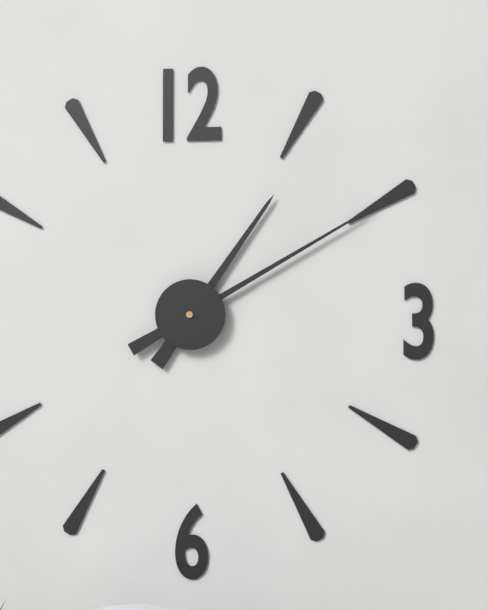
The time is **1:10**
